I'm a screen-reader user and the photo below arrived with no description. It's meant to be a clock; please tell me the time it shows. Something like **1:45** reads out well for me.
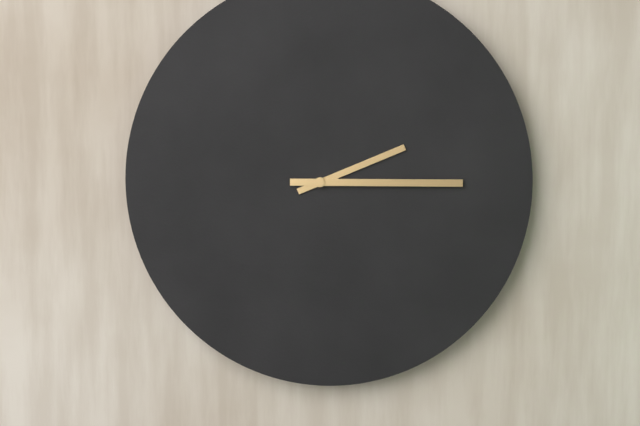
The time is **2:15**
